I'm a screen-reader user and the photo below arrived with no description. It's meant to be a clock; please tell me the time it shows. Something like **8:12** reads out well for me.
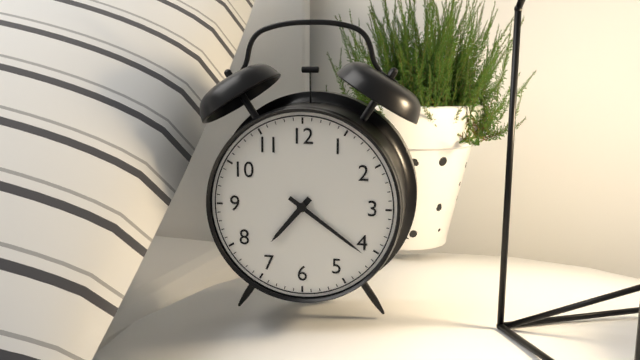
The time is **7:21**
